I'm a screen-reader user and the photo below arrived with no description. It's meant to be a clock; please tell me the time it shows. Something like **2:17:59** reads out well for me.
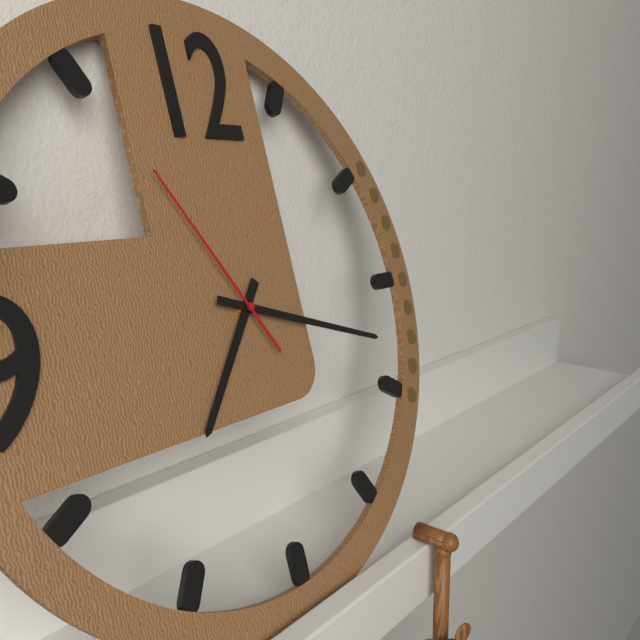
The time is **7:18:55**
